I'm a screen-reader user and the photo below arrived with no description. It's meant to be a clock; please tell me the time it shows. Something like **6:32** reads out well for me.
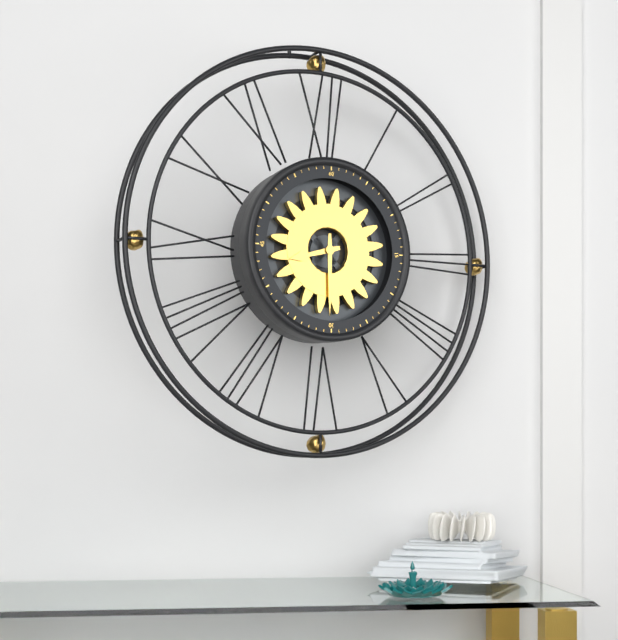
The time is **8:30**
